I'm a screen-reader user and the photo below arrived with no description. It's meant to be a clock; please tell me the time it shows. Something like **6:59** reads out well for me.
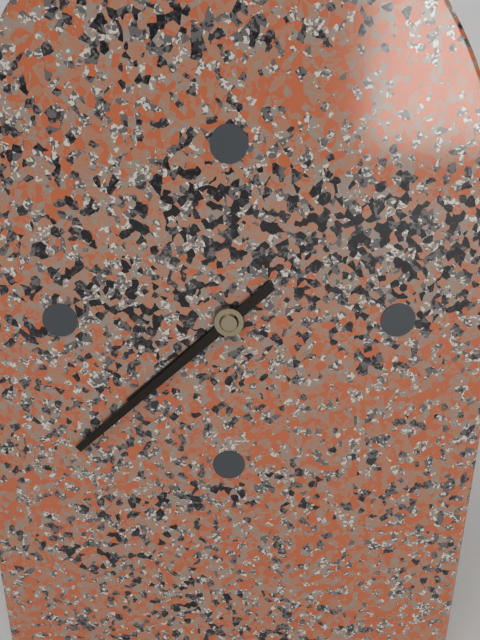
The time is **7:38**
